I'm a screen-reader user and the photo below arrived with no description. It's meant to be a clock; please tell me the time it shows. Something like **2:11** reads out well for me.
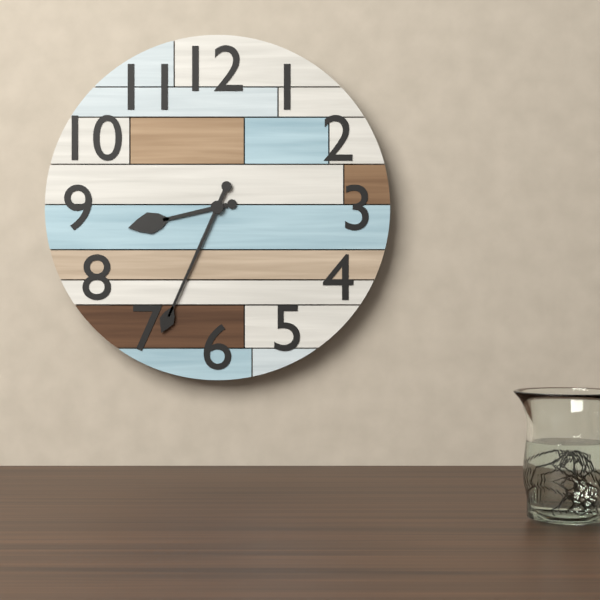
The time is **8:34**
